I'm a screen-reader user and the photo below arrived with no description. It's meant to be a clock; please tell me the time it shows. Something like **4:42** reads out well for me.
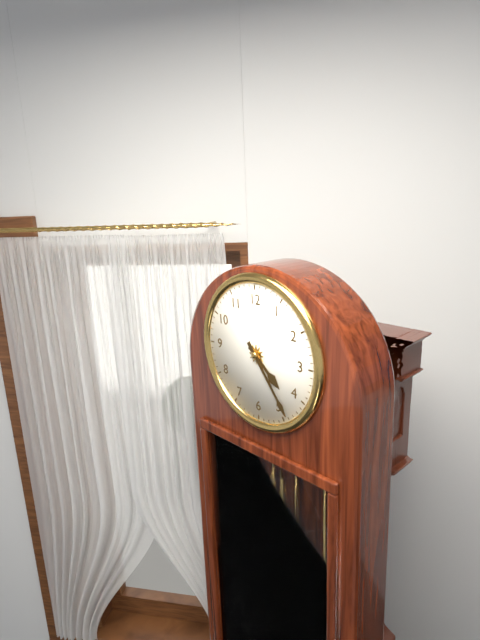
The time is **4:24**
